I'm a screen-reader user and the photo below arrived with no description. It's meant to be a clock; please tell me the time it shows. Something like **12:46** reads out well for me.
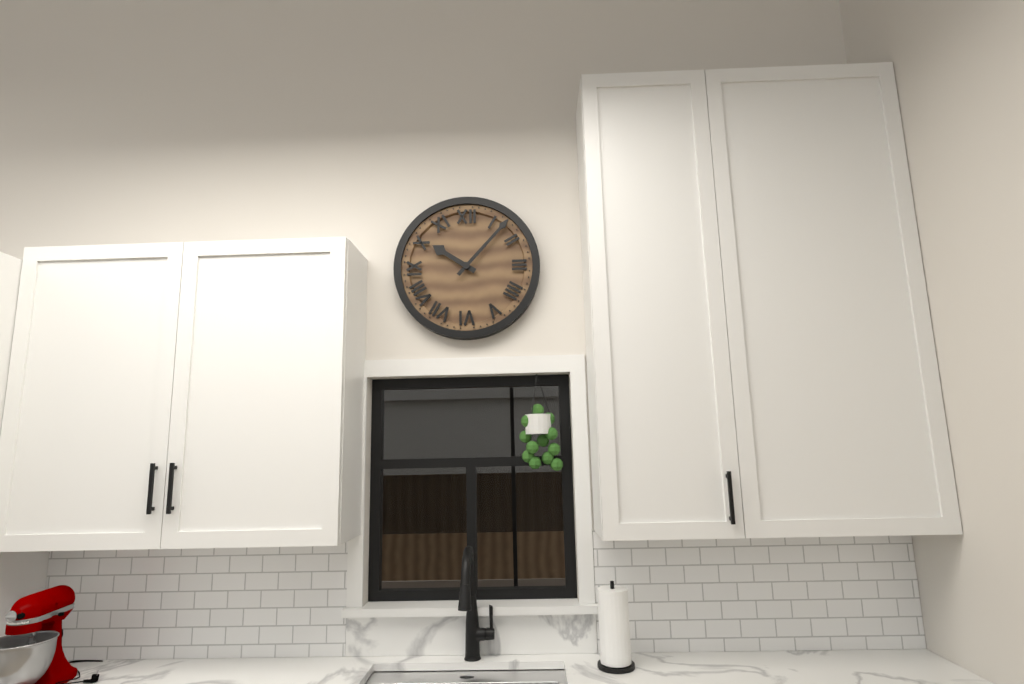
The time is **10:07**
